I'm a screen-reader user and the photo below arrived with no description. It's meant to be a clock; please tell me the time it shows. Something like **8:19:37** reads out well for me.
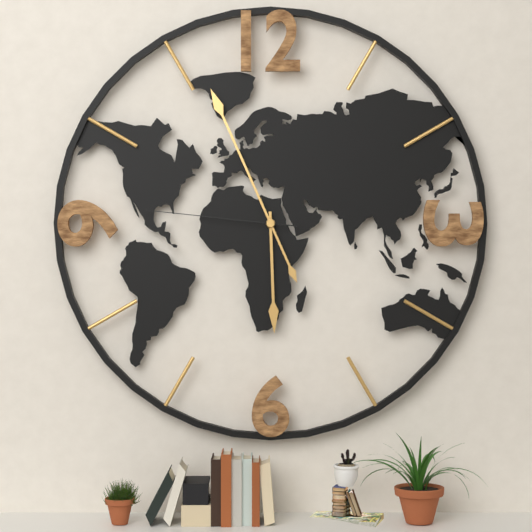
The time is **5:56:46**
